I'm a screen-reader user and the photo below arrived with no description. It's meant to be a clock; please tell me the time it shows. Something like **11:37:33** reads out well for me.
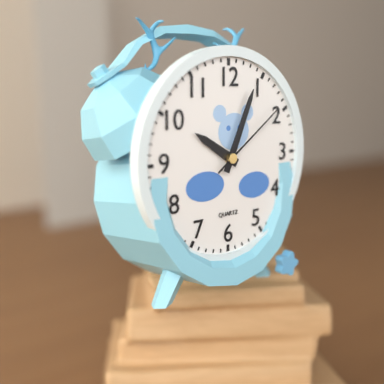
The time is **10:04:09**
